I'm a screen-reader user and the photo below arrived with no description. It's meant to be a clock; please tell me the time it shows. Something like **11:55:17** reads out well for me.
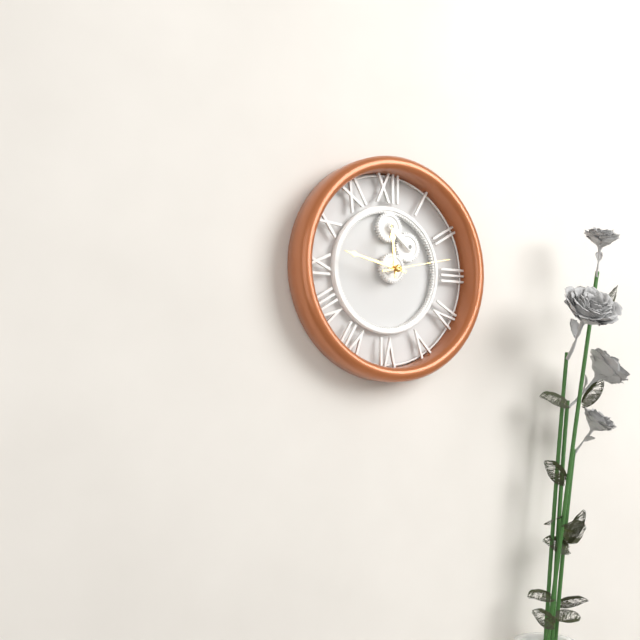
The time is **11:47:13**
